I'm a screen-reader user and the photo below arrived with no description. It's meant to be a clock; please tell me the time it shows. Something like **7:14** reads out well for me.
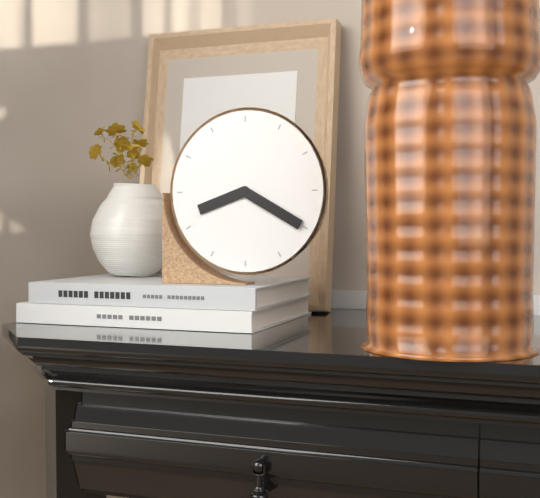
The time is **8:20**
